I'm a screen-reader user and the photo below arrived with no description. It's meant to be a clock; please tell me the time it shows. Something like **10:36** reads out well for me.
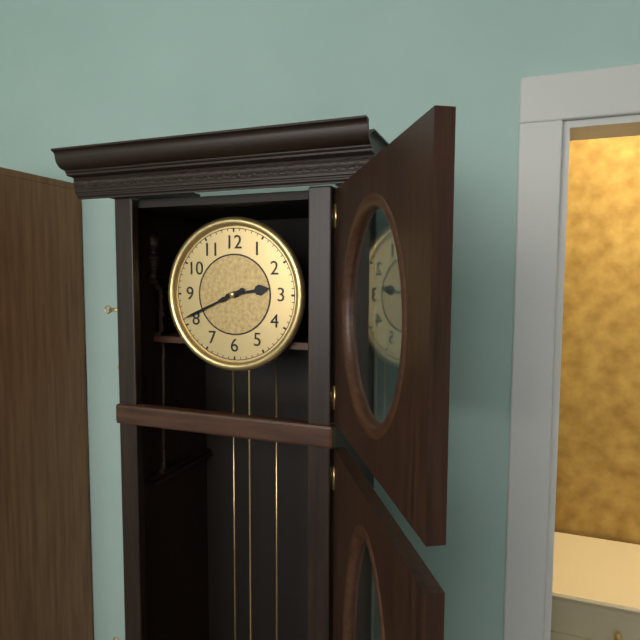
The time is **2:41**
